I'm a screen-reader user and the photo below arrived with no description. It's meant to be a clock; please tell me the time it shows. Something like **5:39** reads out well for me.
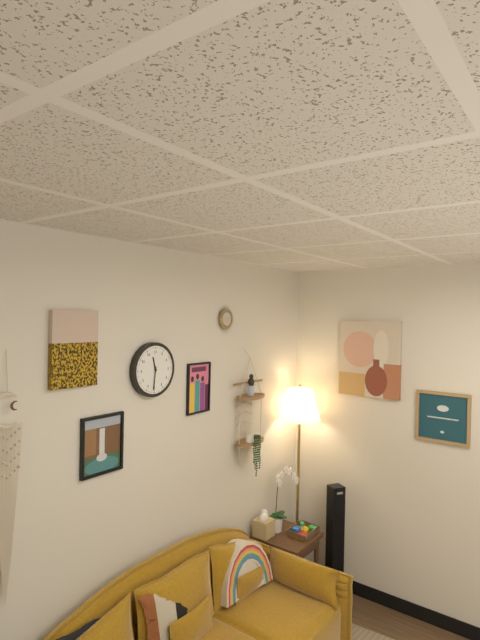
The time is **11:31**
